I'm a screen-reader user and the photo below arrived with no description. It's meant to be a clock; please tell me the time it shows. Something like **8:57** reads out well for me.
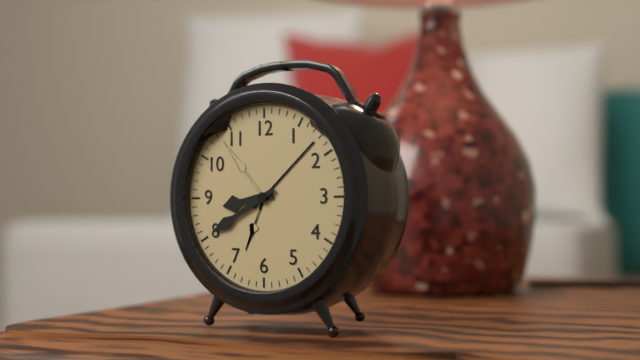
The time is **8:40**
